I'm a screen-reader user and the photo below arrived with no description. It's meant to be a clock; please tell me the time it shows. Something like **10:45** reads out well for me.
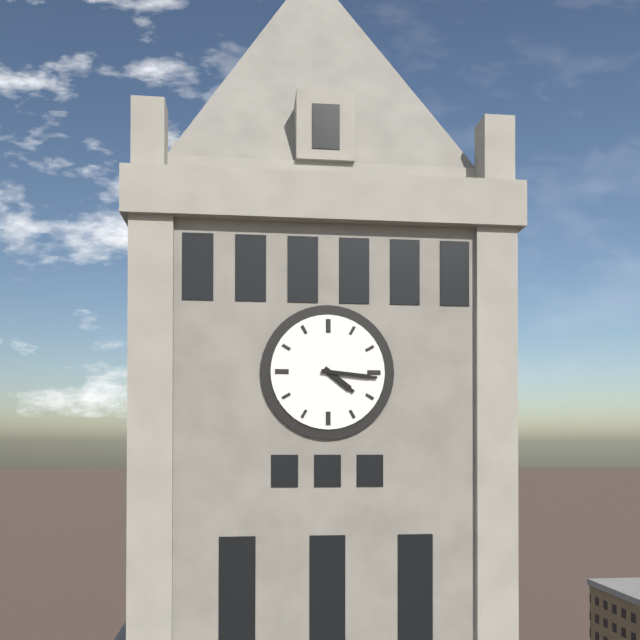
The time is **4:16**
